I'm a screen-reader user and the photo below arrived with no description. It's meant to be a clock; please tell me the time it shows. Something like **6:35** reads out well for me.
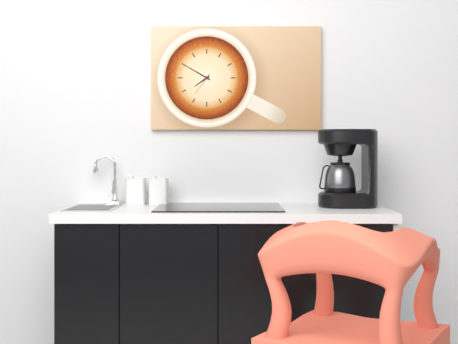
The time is **7:50**
